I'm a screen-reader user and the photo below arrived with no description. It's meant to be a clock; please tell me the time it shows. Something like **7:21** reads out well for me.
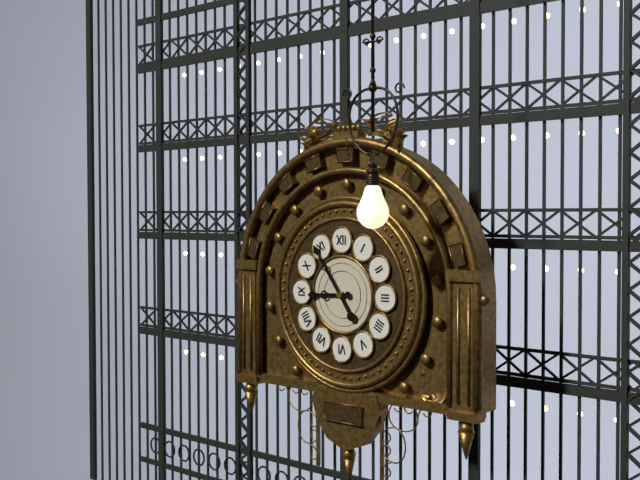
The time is **8:54**
